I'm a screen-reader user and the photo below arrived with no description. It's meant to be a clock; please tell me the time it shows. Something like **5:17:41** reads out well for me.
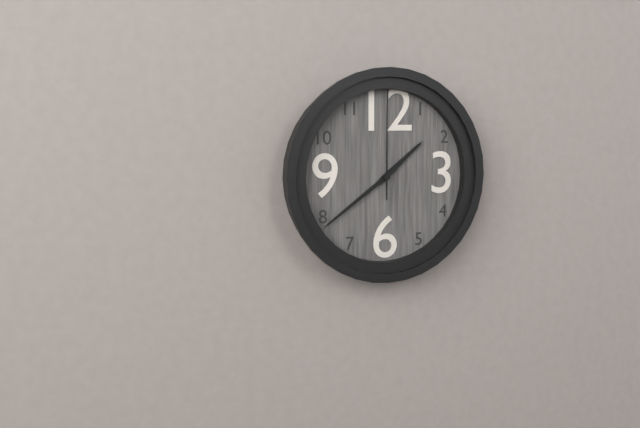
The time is **1:39:00**
